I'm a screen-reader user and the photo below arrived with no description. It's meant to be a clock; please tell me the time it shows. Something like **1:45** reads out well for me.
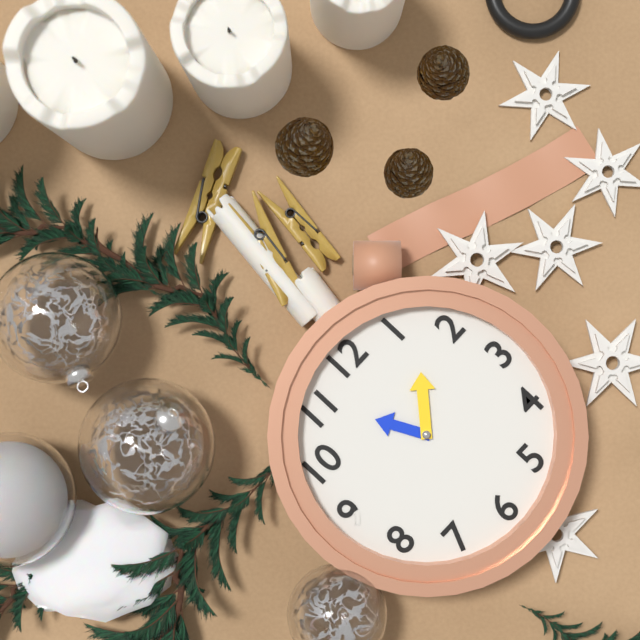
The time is **11:07**
